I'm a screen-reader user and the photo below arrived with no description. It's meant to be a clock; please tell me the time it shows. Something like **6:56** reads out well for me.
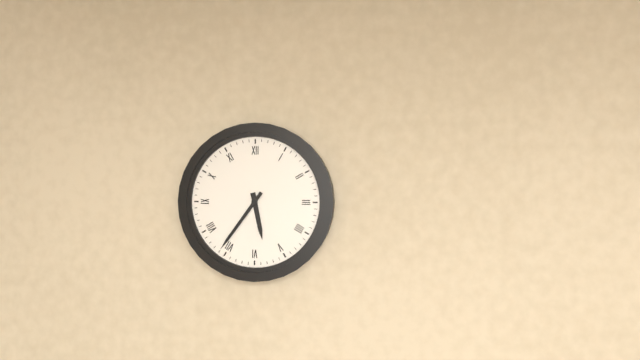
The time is **5:36**
